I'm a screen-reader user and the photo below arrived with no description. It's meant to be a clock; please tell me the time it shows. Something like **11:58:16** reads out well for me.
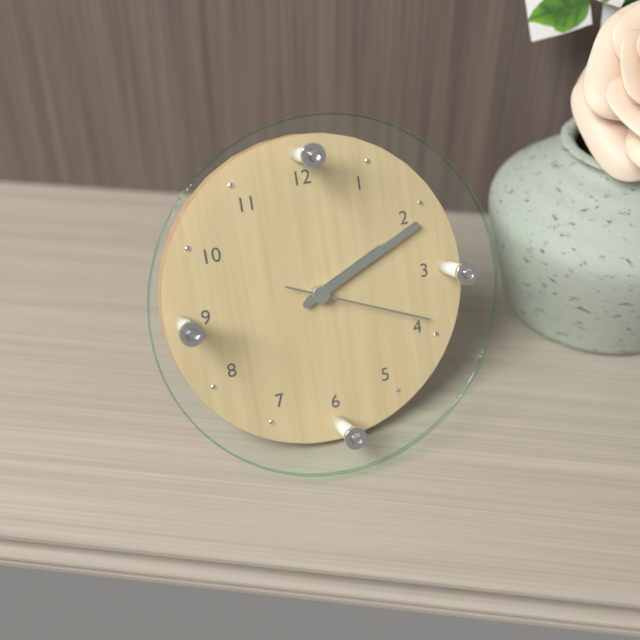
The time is **2:11:19**
